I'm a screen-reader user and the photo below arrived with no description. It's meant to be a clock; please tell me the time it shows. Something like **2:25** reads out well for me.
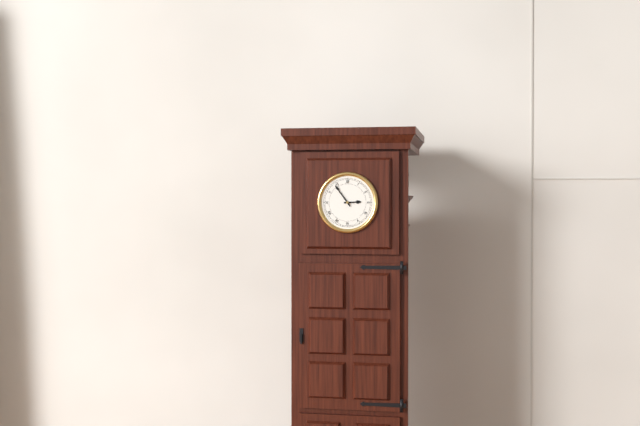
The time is **2:54**
